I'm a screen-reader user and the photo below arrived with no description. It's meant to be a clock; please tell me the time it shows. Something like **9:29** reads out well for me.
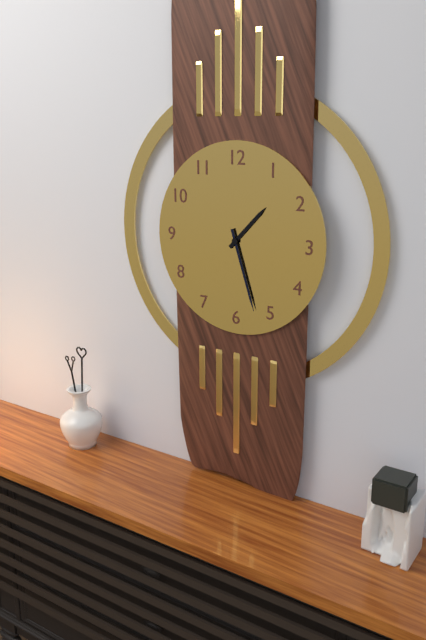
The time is **1:27**
